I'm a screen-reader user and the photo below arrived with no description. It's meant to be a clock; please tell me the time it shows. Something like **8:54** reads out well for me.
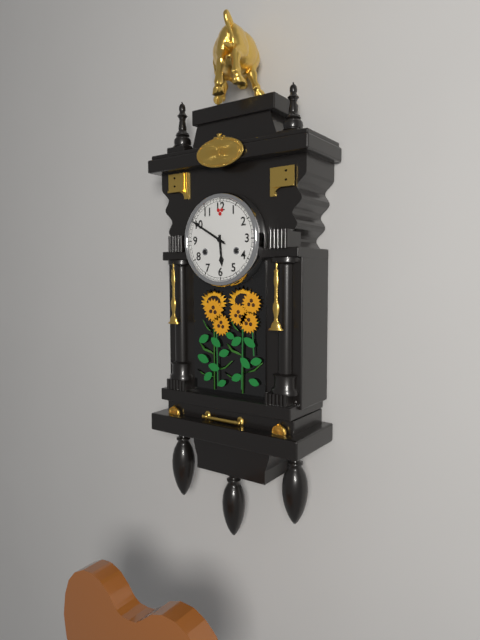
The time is **5:50**
